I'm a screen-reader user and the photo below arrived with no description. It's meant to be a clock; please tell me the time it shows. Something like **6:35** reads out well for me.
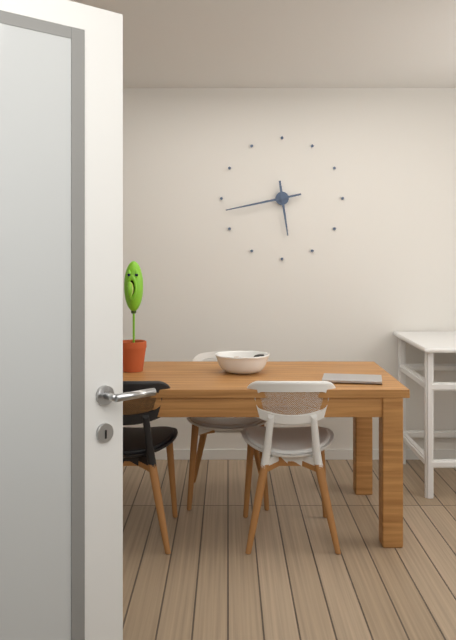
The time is **5:43**
